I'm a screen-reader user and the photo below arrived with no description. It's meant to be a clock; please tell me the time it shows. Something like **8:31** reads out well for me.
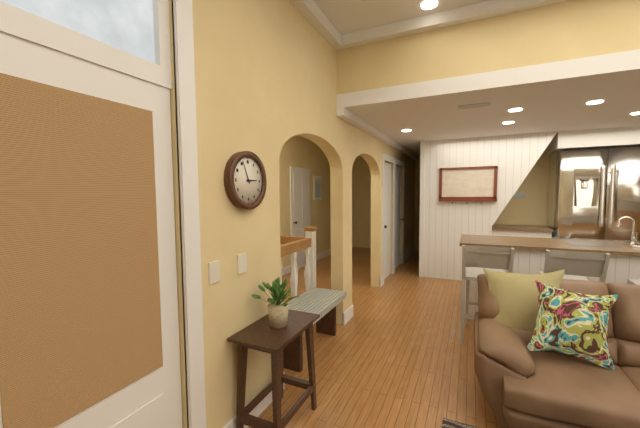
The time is **2:56**
